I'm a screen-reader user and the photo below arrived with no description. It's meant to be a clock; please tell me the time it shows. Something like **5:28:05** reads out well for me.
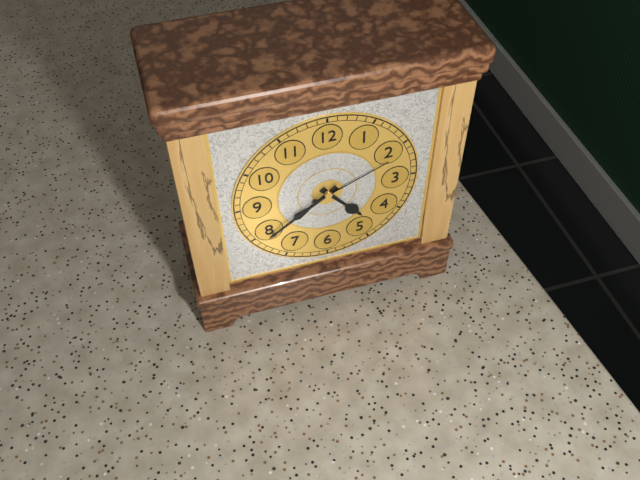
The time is **4:39:11**
